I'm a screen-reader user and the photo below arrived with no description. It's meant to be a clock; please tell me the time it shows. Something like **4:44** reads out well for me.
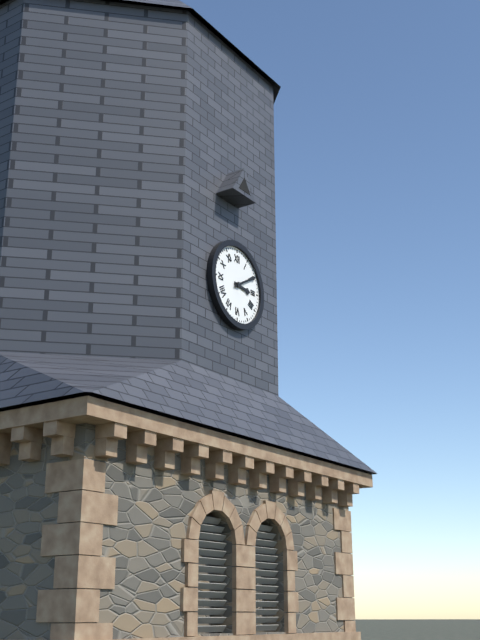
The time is **3:10**
